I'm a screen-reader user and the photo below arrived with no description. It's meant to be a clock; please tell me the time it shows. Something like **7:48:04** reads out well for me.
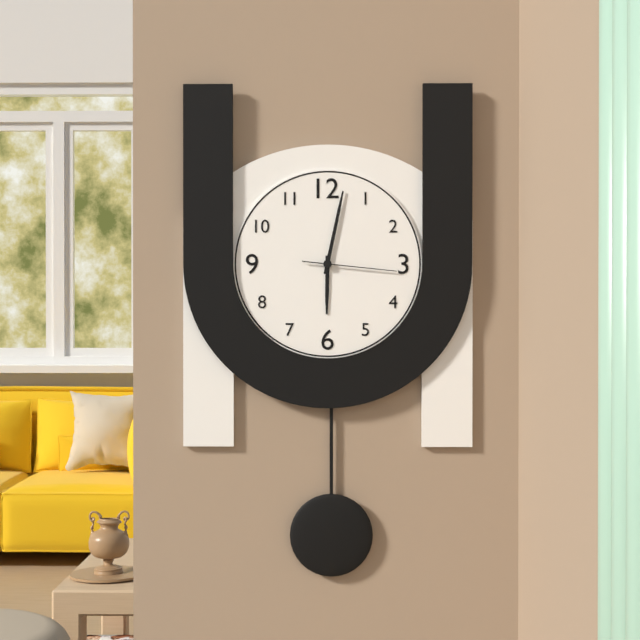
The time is **6:02:16**
